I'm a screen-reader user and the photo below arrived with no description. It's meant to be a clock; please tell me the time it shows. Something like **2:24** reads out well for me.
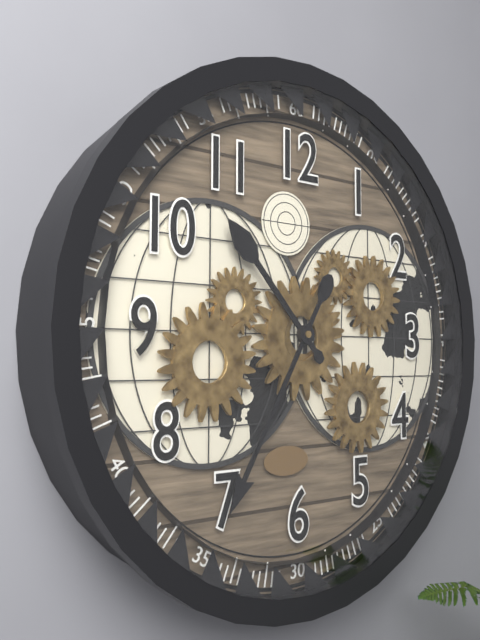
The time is **10:35**
